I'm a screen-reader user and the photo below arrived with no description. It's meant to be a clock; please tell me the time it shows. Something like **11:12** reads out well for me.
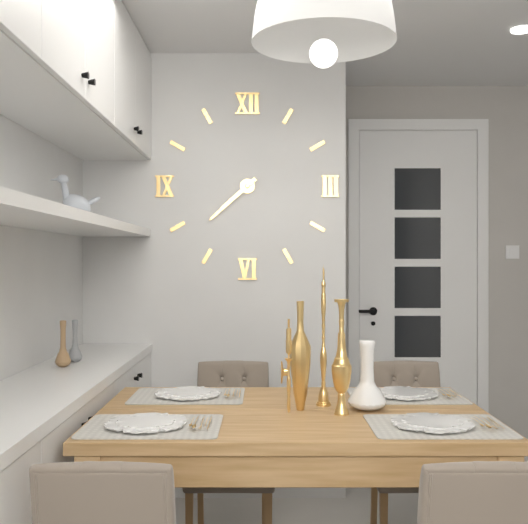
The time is **7:38**
